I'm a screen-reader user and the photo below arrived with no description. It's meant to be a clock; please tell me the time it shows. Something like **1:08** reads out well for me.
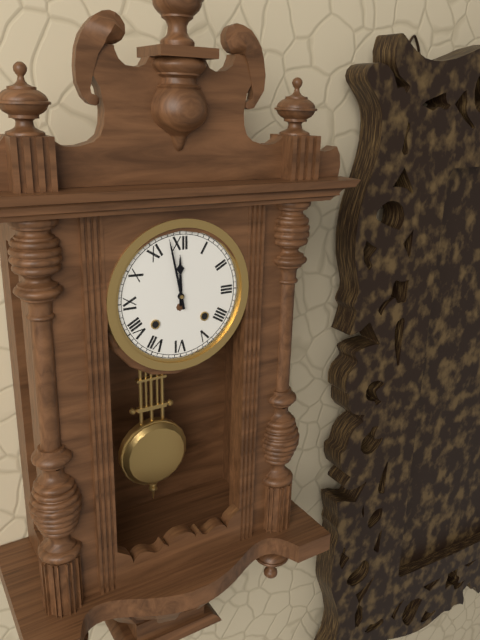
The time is **11:58**
